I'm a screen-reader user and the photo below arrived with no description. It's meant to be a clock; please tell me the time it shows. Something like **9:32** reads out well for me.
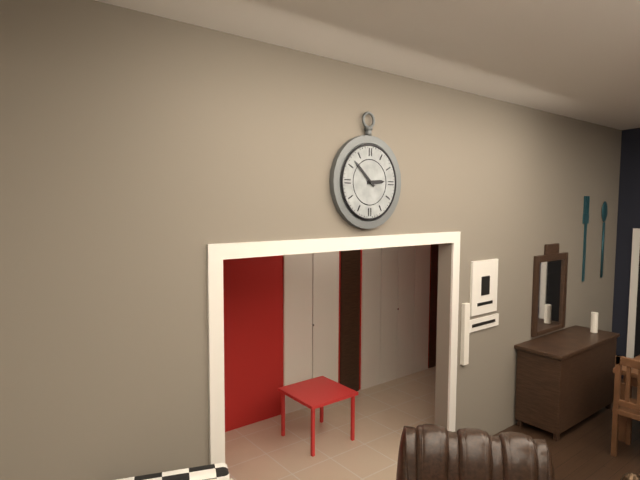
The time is **2:52**
